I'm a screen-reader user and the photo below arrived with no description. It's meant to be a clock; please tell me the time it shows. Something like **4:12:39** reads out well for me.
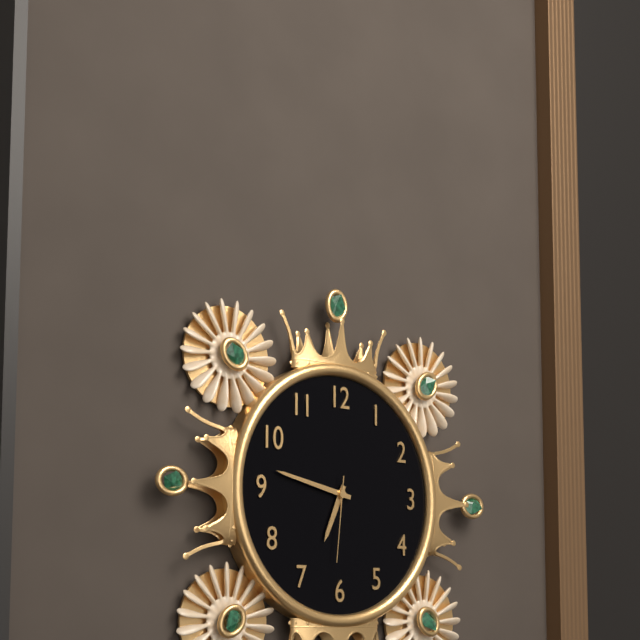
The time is **6:47:31**
